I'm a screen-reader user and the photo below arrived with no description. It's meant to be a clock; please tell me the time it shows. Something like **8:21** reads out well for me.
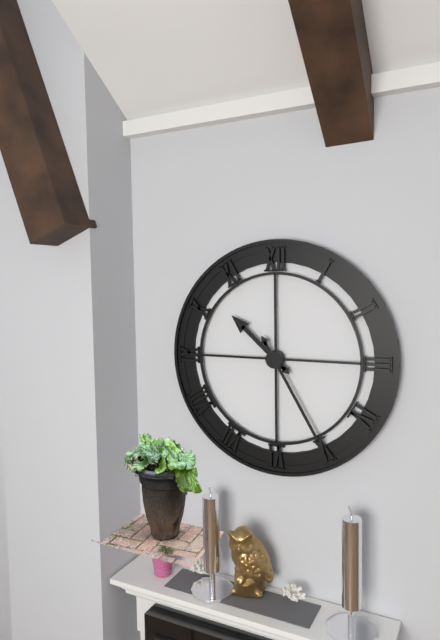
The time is **10:25**
